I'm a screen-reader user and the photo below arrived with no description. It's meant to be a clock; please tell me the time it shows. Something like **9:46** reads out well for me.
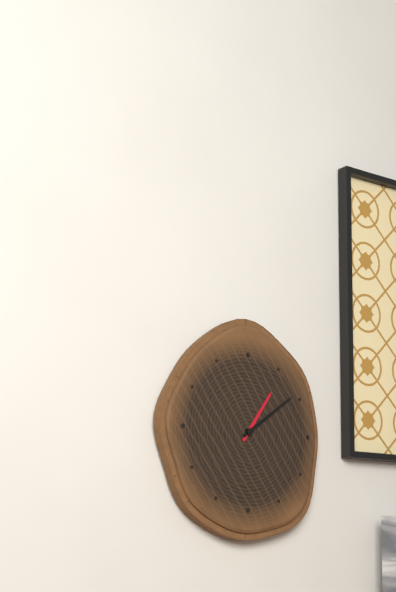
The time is **1:09**
